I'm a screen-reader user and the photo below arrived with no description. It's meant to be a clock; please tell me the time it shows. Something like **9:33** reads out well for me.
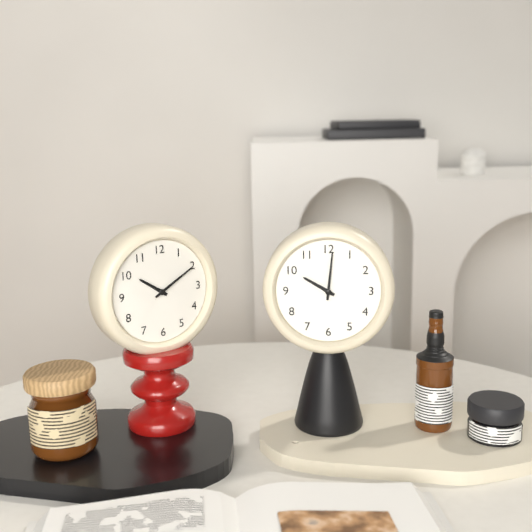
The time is **10:01**
